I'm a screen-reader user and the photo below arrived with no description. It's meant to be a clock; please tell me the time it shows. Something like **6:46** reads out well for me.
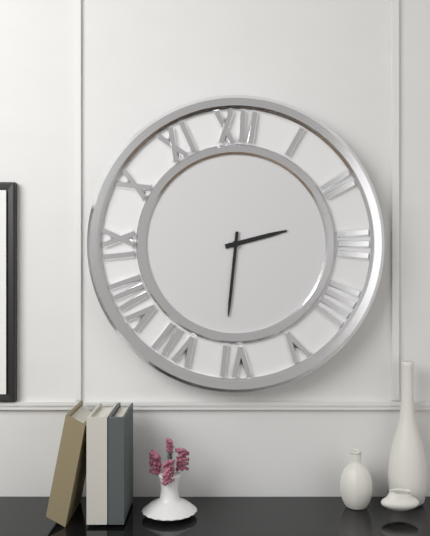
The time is **2:31**
